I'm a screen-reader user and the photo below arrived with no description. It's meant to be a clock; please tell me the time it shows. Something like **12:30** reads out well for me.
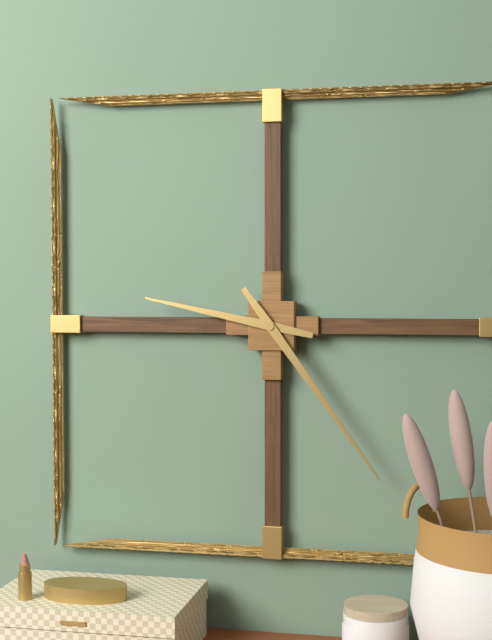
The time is **9:24**
